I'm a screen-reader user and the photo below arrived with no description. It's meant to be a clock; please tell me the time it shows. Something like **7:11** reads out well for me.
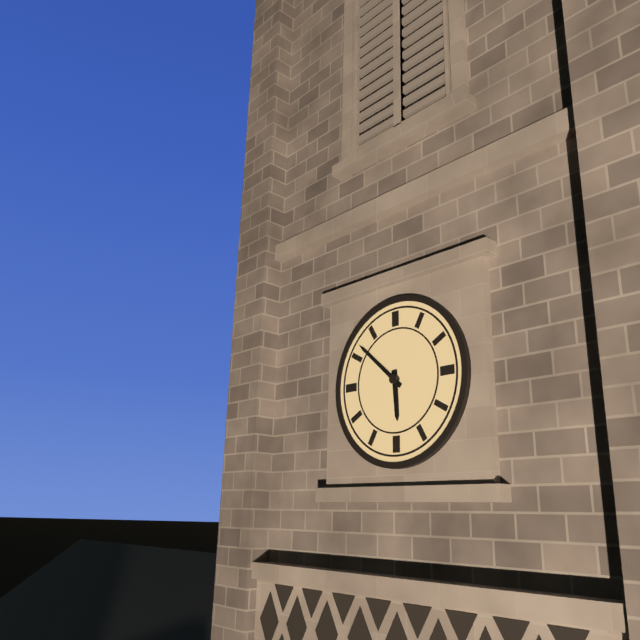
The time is **5:52**
